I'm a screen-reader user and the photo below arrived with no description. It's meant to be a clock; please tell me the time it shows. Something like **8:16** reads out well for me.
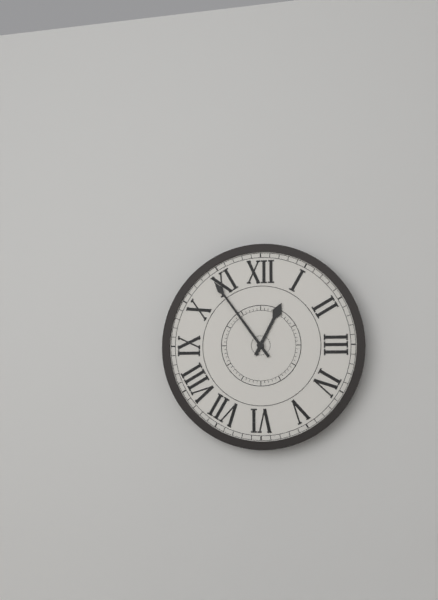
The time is **12:54**
